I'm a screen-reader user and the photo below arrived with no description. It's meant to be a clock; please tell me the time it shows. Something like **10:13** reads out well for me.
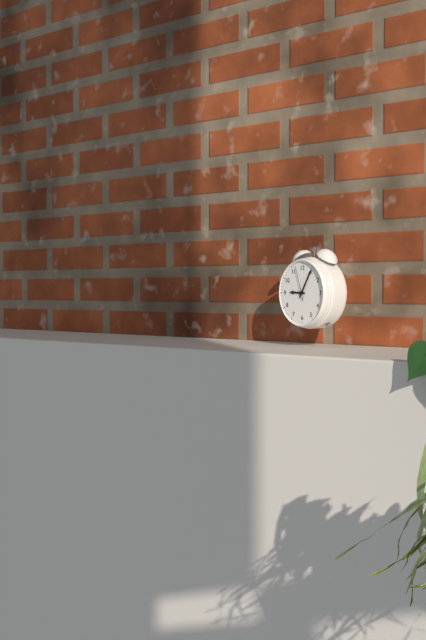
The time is **9:05**
